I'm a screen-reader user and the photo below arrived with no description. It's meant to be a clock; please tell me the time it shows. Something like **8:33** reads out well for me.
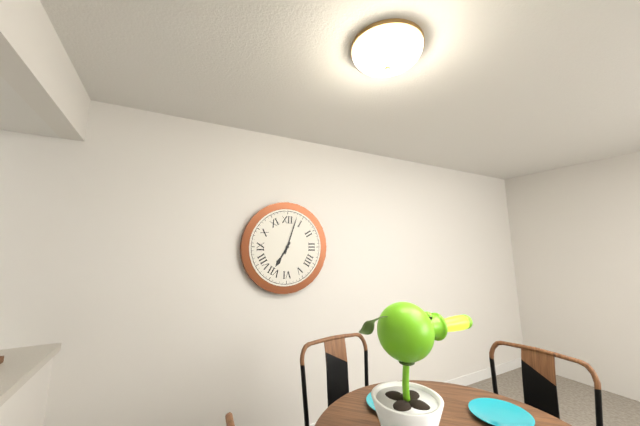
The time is **7:03**
